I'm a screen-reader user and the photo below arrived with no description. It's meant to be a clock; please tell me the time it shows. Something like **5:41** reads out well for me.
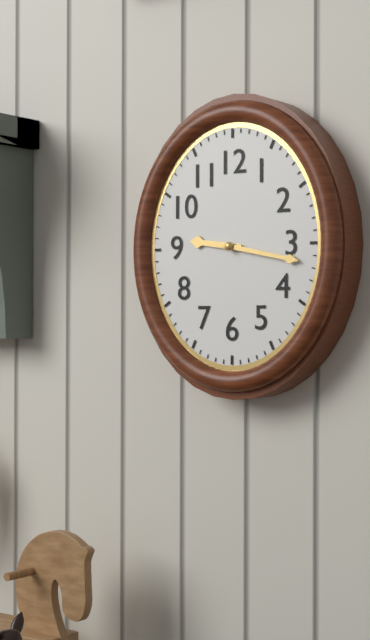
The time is **9:17**
